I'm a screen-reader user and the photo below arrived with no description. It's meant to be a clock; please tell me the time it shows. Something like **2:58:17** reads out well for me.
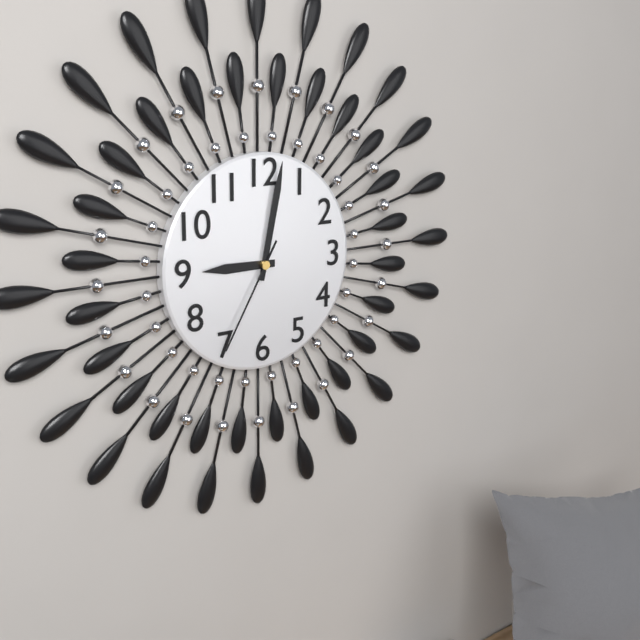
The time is **9:02:35**
